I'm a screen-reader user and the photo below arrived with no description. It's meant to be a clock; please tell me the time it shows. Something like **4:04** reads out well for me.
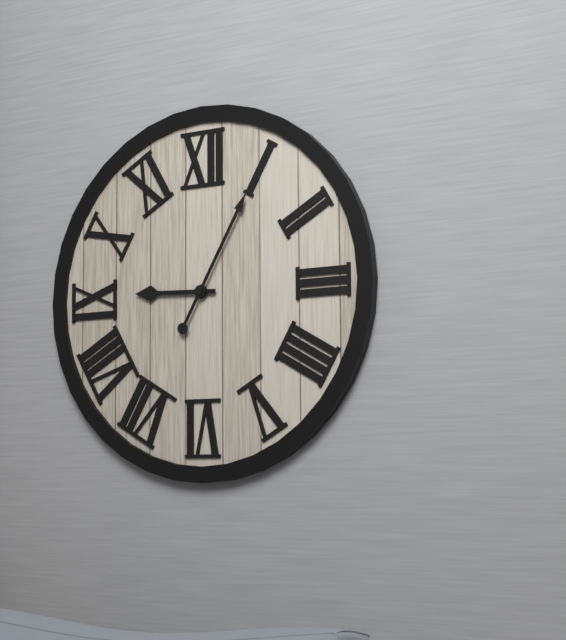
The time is **9:05**
